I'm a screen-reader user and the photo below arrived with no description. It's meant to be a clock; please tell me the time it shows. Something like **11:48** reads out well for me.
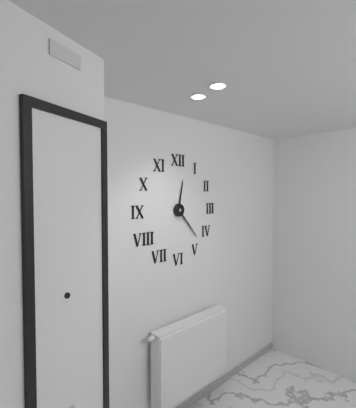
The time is **12:23**
